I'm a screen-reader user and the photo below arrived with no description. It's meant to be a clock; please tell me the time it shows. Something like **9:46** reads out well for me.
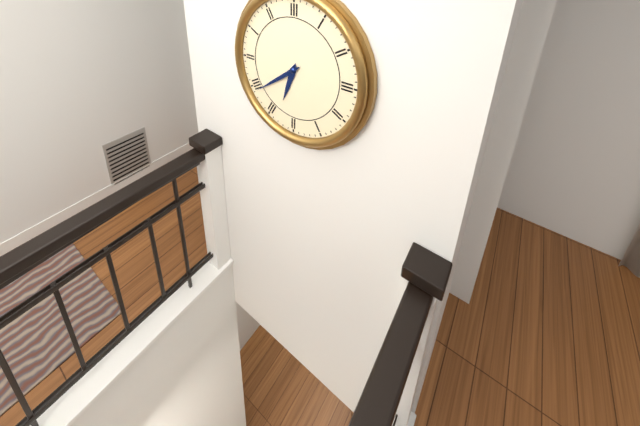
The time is **6:39**
